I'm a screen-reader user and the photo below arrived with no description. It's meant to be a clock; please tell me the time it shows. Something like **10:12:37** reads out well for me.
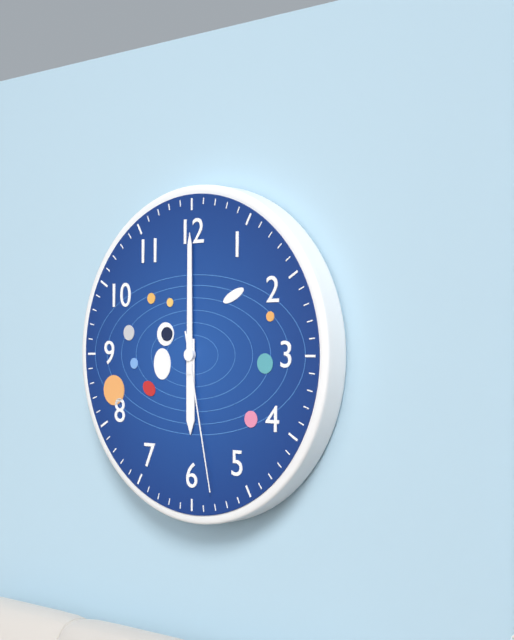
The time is **6:00:28**
